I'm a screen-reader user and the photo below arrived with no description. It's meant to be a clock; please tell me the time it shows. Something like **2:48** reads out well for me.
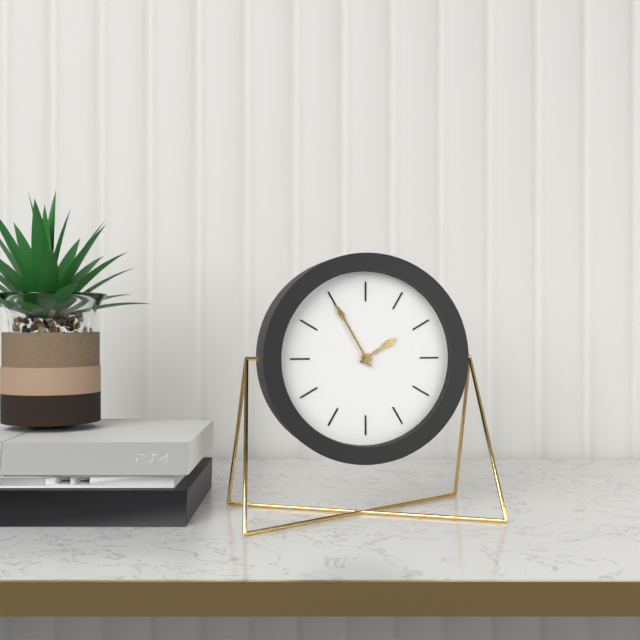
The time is **1:55**
